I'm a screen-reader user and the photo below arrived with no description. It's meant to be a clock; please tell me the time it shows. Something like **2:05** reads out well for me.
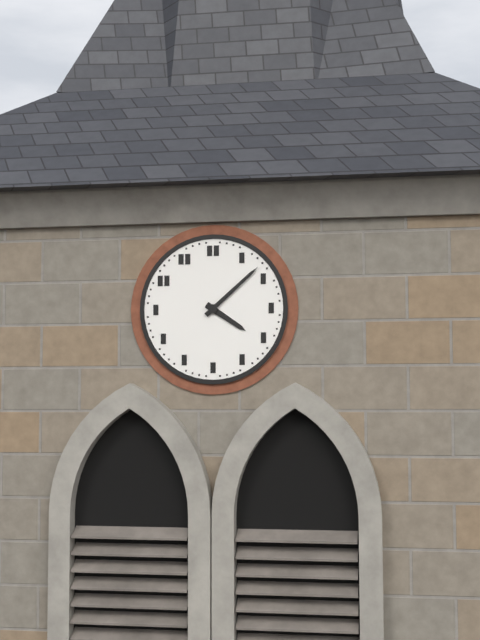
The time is **4:08**
